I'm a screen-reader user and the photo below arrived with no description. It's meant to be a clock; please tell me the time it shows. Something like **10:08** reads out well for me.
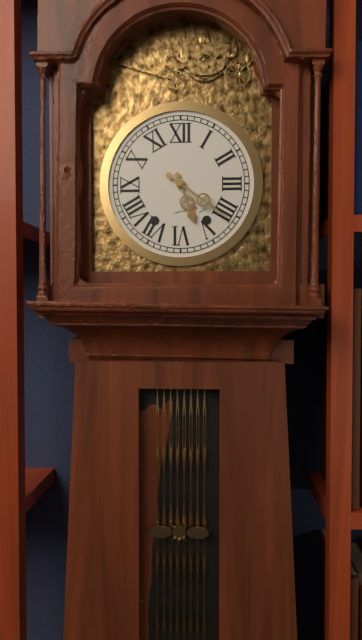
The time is **5:21**
